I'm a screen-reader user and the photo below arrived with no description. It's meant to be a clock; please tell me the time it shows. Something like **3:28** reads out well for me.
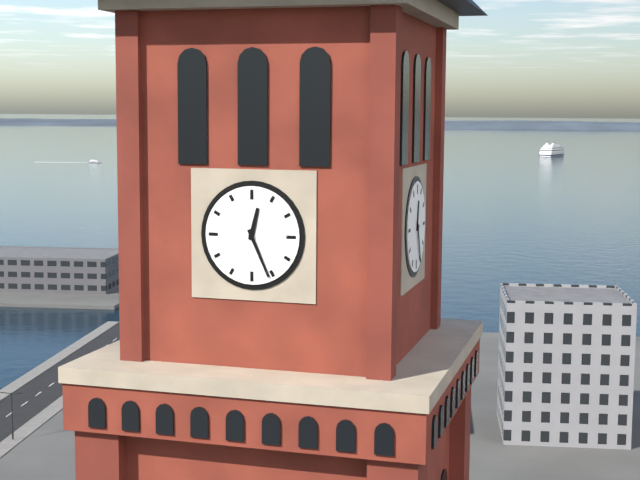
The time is **12:26**
